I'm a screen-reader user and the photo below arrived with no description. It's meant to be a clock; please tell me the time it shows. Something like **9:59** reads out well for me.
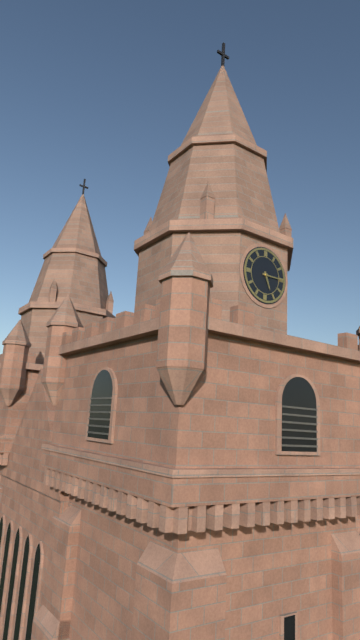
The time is **5:15**
